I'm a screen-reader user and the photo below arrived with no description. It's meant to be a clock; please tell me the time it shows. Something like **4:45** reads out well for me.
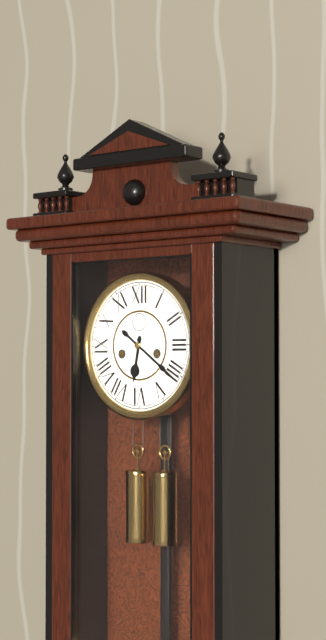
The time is **6:21**
